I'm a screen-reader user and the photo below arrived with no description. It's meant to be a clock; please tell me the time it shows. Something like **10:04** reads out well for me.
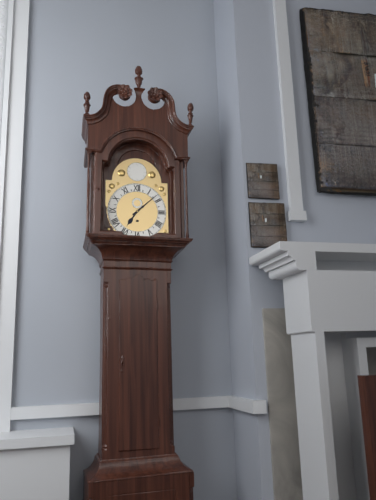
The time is **7:08**
